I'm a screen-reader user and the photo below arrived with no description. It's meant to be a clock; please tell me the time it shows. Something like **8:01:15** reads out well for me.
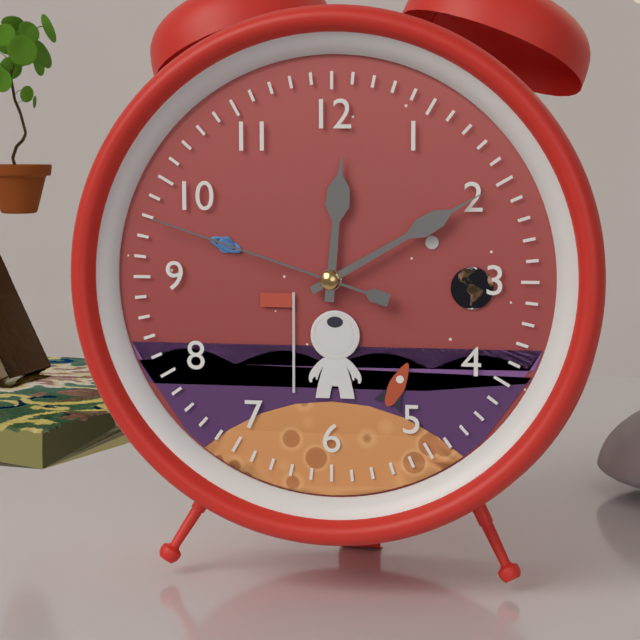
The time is **12:10:48**
